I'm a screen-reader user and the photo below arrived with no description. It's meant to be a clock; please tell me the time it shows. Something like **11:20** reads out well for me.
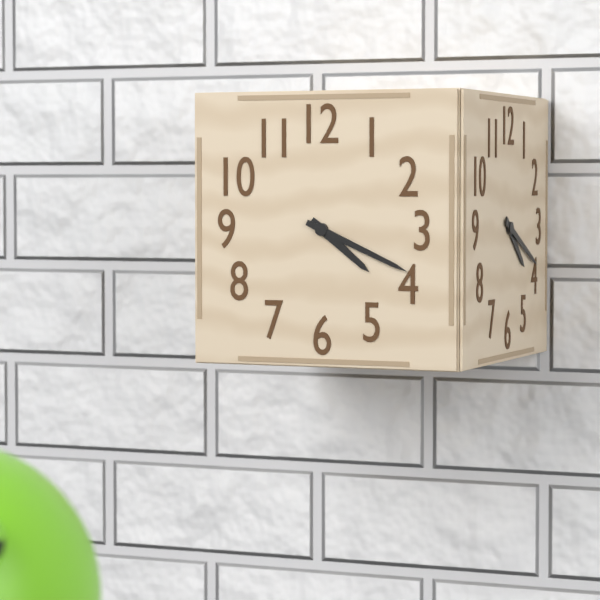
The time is **4:19**
